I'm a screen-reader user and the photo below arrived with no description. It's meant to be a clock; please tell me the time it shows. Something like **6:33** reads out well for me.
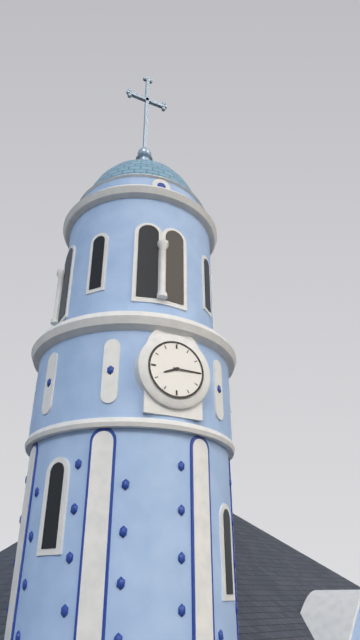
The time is **8:15**
